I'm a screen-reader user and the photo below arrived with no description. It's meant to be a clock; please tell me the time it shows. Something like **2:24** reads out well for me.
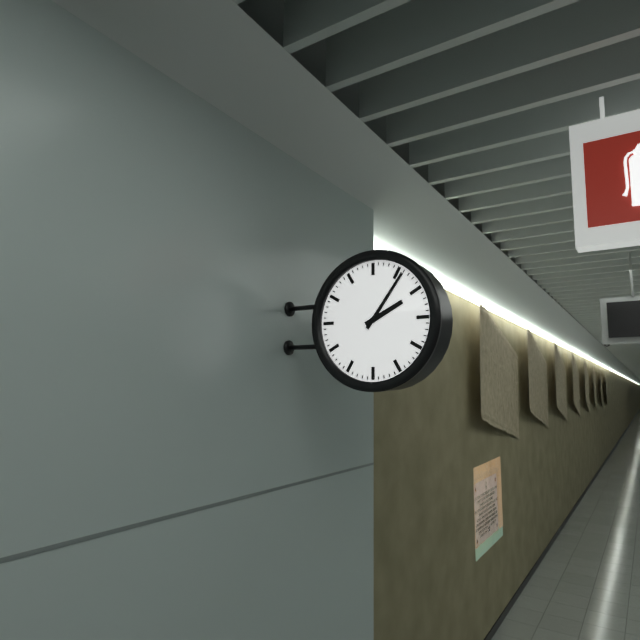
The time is **2:06**
